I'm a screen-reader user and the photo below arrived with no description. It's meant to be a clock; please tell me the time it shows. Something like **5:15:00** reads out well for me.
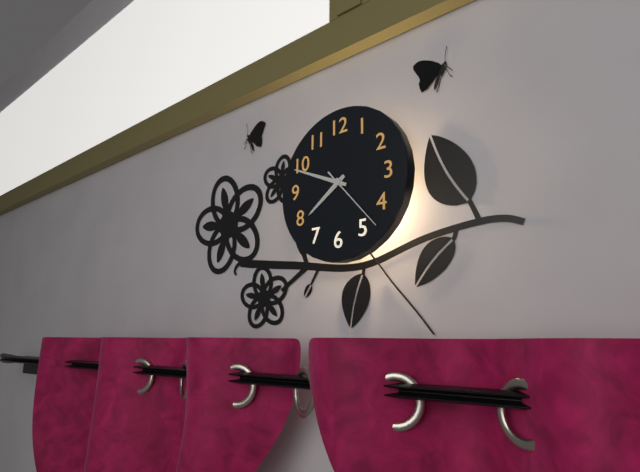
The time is **7:49:23**
